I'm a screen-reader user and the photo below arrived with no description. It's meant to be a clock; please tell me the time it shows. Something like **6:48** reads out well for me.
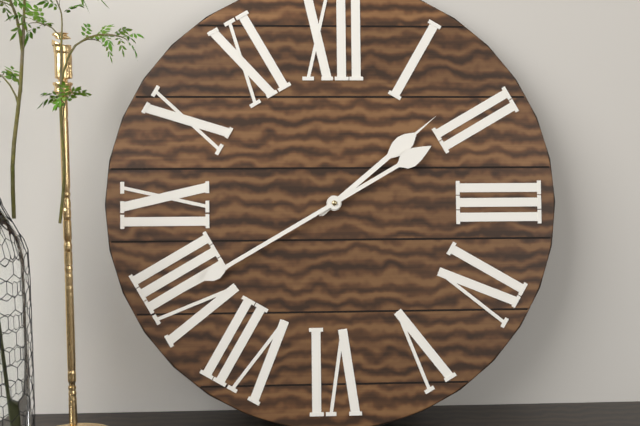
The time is **1:40**
